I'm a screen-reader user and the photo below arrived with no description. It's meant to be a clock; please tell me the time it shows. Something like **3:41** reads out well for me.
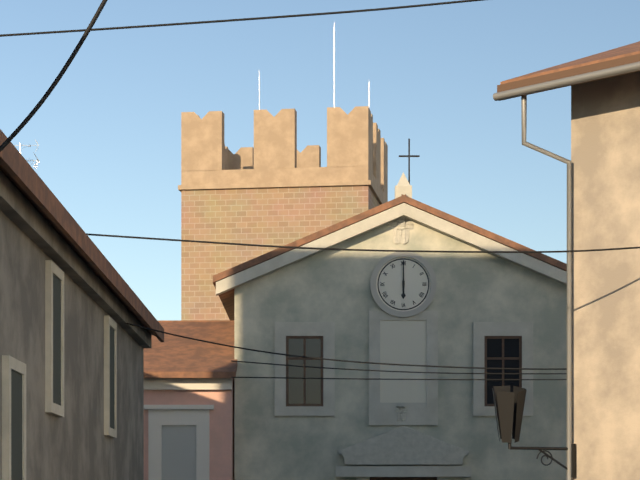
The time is **6:00**
